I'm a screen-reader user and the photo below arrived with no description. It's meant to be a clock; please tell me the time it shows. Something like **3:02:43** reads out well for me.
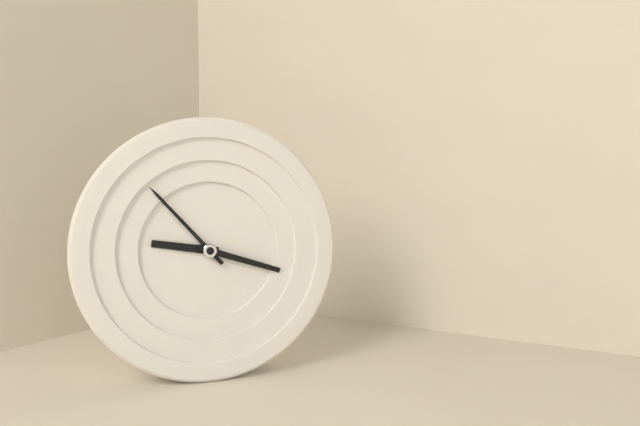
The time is **9:18:53**
